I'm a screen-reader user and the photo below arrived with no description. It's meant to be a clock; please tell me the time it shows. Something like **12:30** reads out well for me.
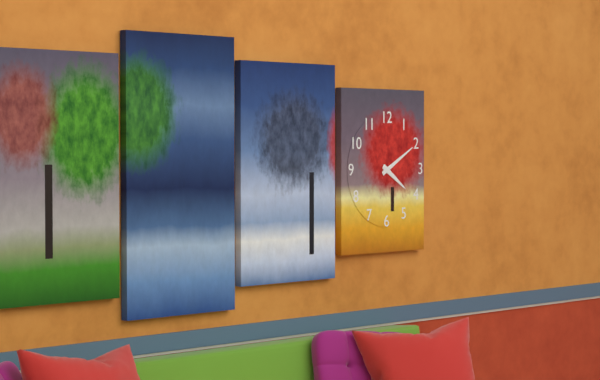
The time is **4:10**
